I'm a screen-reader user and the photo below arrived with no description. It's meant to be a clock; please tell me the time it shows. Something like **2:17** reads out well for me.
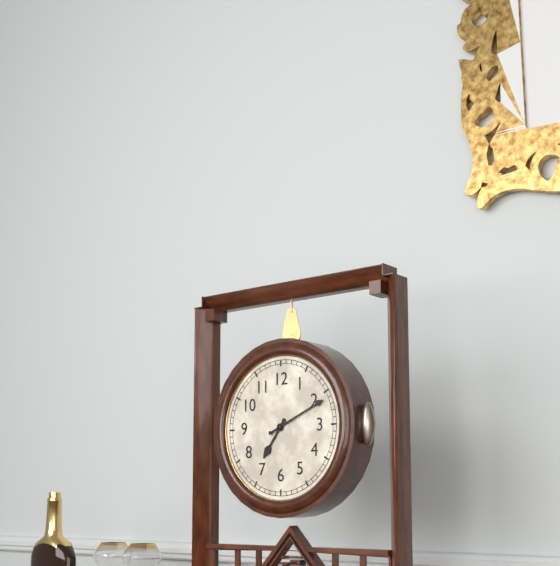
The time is **7:11**
